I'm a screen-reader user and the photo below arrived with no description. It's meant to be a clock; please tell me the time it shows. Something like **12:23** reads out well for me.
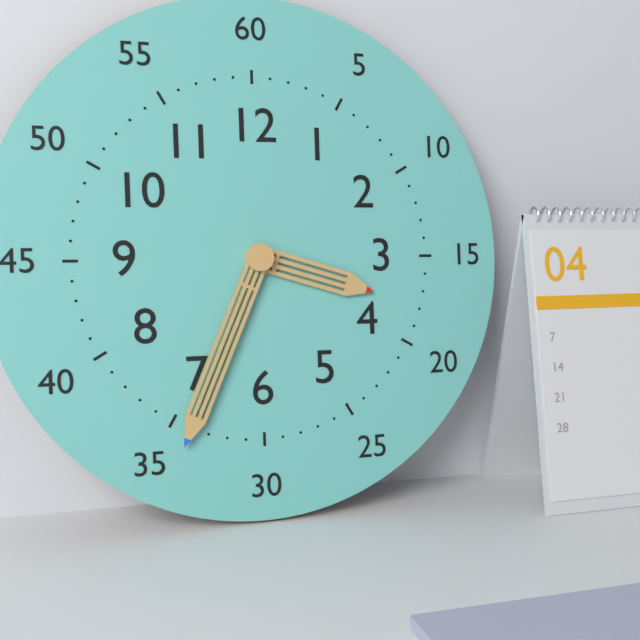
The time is **3:34**
